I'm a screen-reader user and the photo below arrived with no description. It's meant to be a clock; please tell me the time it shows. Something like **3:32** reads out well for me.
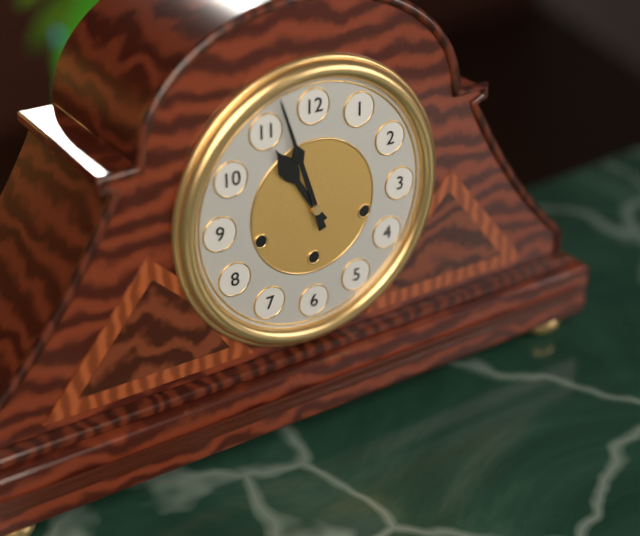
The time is **10:57**
